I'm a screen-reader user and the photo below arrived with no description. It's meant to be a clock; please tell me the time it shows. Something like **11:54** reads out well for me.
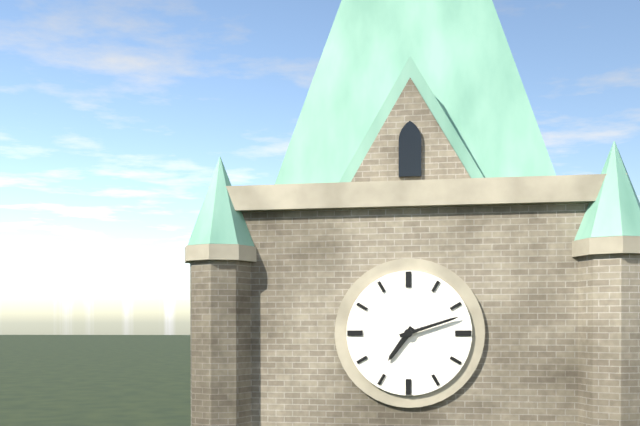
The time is **7:12**
